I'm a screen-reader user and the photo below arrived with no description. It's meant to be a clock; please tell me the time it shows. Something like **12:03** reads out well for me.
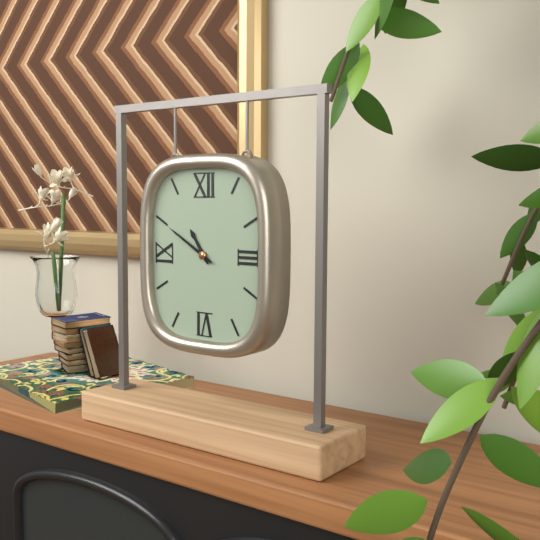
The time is **10:50**
